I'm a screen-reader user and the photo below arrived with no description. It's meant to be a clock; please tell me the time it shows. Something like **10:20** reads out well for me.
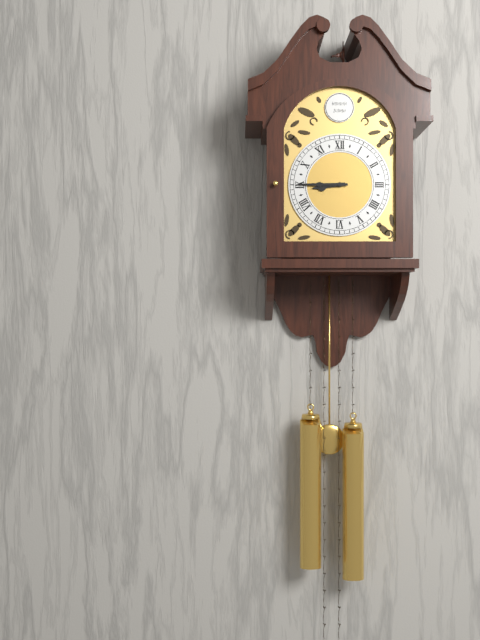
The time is **8:45**
